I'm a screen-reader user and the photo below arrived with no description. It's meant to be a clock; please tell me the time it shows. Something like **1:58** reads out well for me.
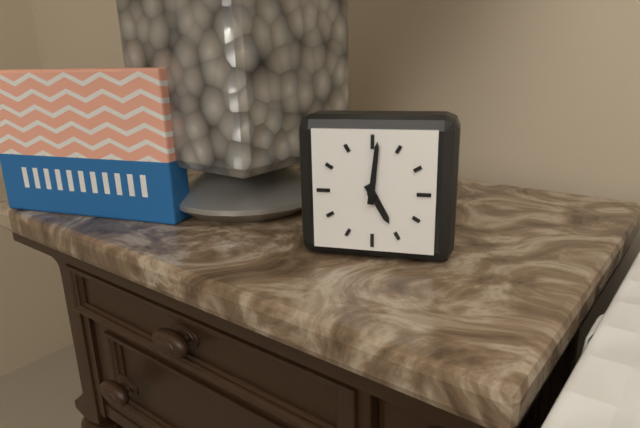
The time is **5:01**
